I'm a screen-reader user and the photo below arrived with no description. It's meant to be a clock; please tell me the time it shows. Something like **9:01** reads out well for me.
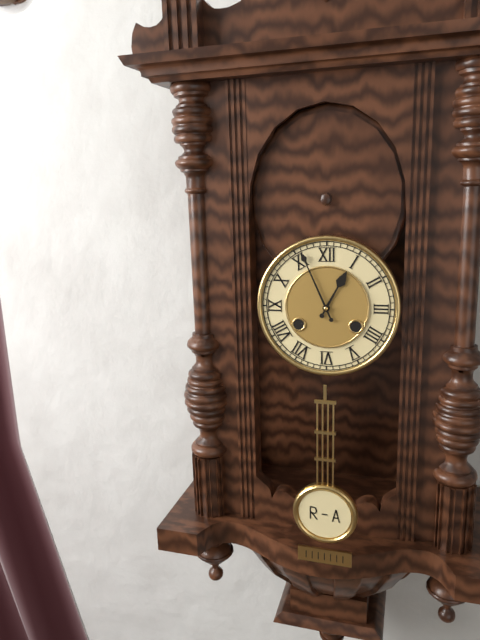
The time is **12:56**
